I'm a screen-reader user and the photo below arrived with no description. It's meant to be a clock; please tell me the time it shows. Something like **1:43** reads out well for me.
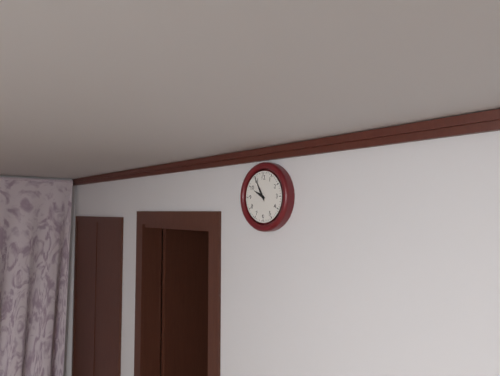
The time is **9:55**
